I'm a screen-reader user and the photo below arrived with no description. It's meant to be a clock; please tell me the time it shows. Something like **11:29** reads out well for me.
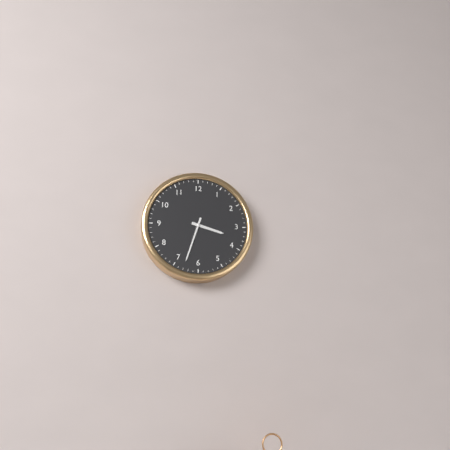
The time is **3:33**
